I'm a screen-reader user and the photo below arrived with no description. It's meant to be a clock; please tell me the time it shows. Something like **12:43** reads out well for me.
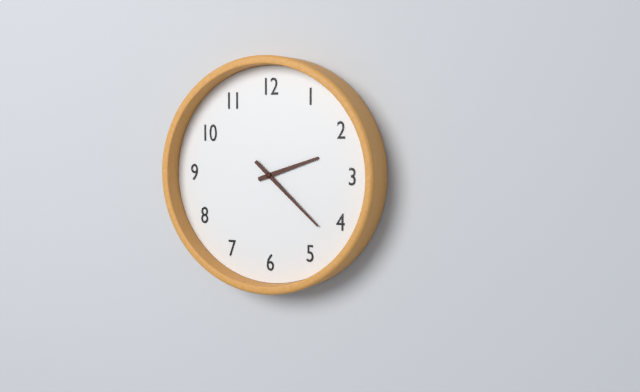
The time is **2:22**
